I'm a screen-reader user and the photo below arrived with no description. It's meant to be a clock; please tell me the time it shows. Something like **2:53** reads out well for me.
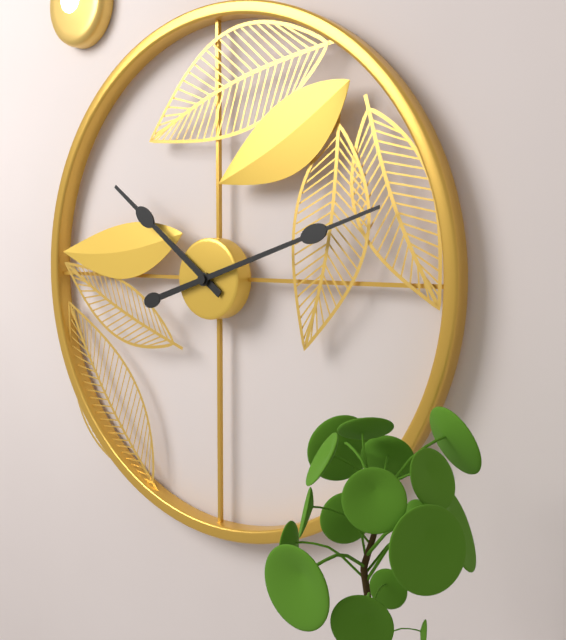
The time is **10:12**
